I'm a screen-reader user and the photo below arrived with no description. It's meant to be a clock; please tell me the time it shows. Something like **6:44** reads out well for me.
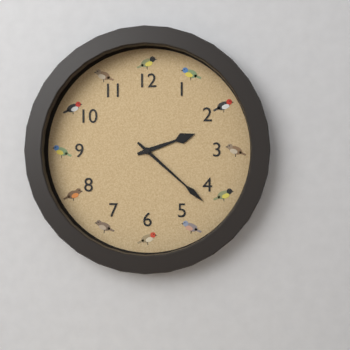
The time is **2:22**
